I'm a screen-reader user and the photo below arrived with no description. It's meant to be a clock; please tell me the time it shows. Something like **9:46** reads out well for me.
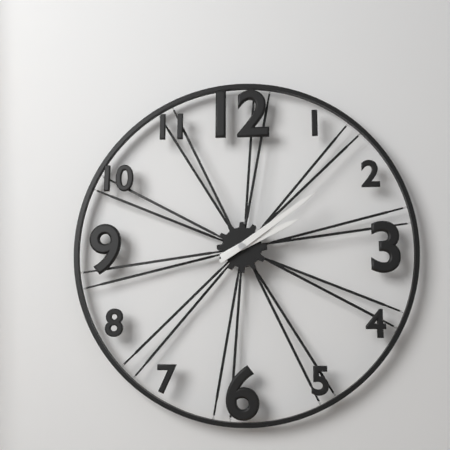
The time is **2:09**
